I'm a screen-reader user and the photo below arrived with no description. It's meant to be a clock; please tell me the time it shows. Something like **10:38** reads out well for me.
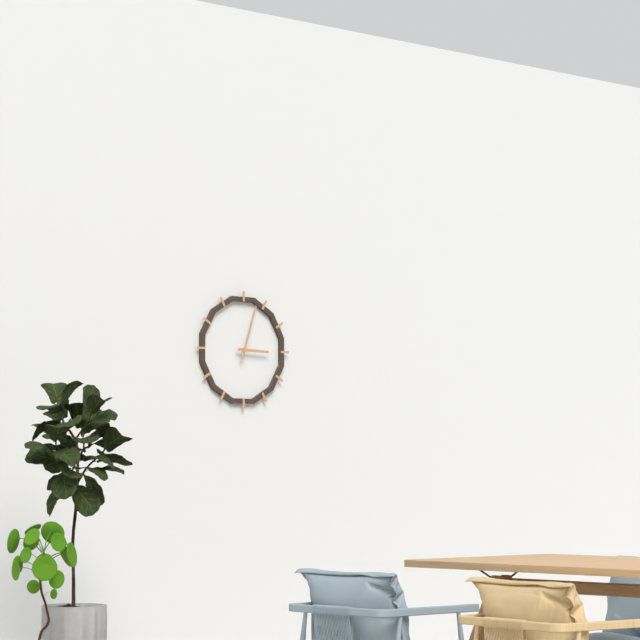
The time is **3:03**
